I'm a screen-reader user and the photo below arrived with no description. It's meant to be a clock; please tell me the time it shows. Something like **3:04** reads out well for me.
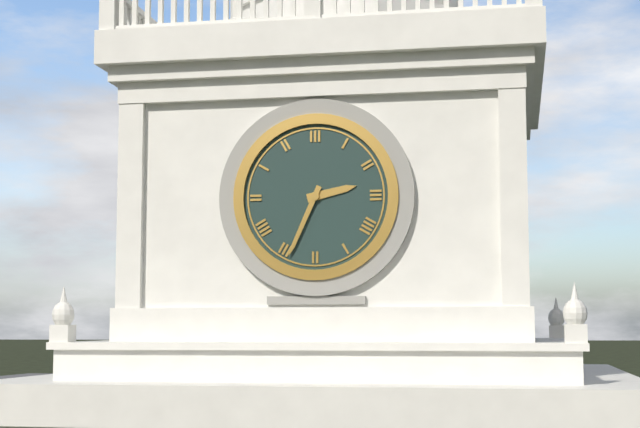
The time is **2:34**
